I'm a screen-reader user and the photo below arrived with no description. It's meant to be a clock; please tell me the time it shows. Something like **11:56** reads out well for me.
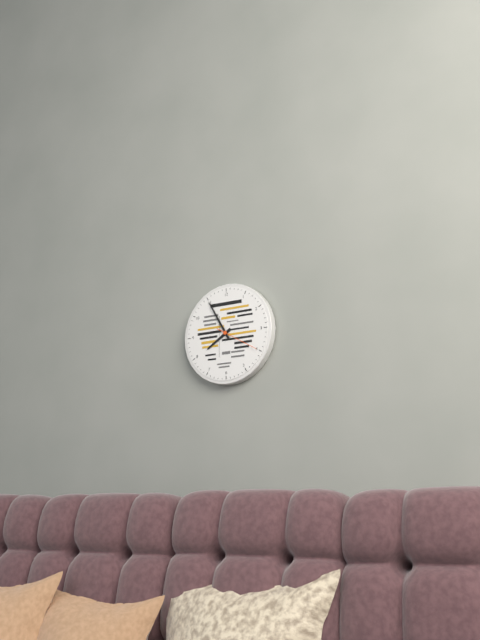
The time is **7:55**
